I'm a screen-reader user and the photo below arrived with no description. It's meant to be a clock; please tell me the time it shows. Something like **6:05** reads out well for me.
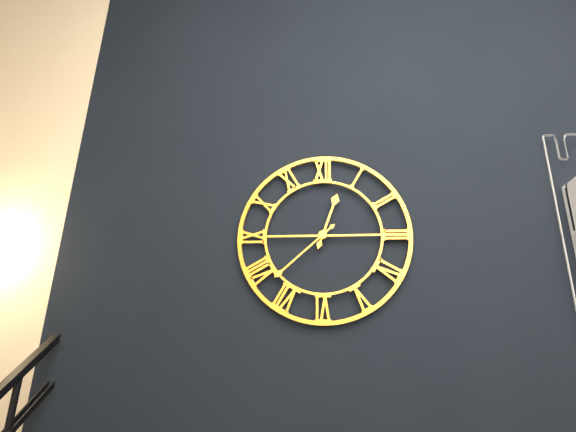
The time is **12:38**
